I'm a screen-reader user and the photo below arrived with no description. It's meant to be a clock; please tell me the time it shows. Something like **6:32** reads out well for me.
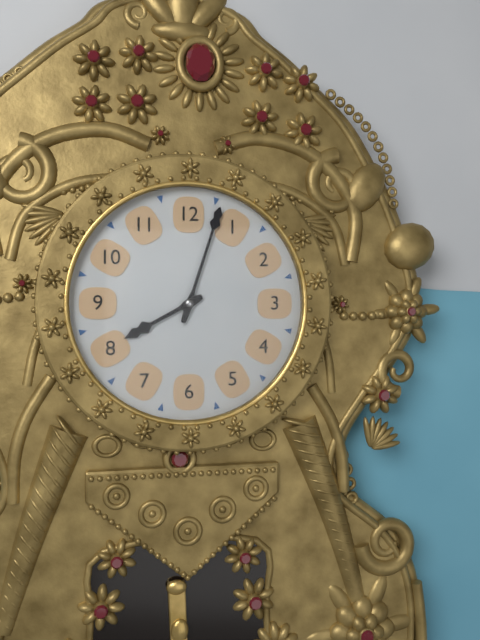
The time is **8:03**
